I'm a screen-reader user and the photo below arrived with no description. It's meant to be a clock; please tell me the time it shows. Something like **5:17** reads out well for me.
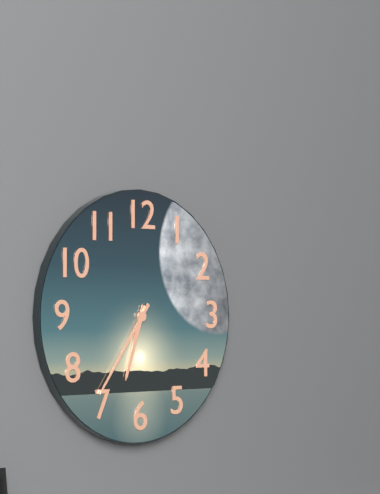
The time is **6:36**
